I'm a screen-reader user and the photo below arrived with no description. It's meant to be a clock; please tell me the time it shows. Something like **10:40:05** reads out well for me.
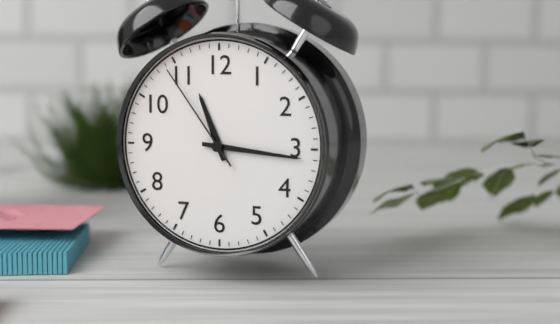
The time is **11:16:54**
